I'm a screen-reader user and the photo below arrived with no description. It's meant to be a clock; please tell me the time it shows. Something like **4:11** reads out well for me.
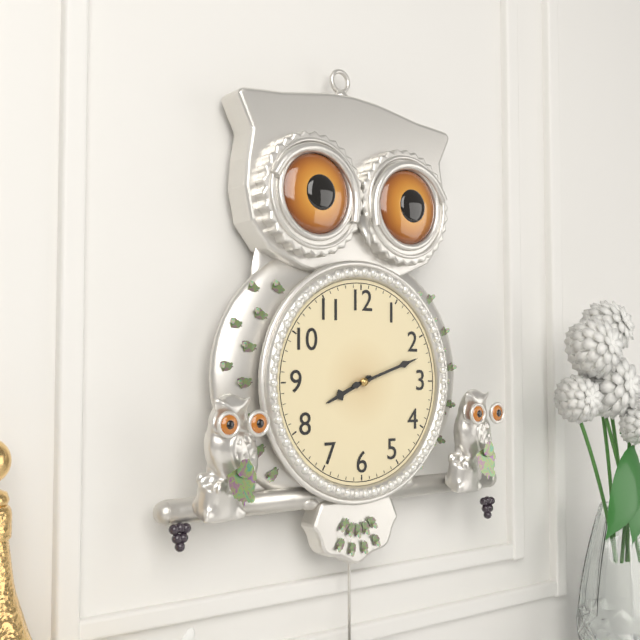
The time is **8:12**
